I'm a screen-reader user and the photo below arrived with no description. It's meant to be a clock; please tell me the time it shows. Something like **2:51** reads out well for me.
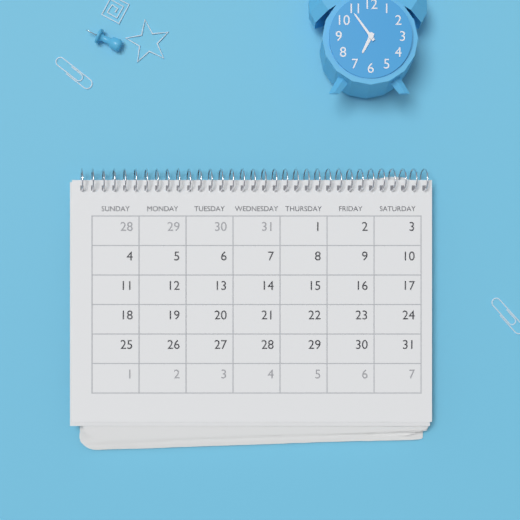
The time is **6:54**
